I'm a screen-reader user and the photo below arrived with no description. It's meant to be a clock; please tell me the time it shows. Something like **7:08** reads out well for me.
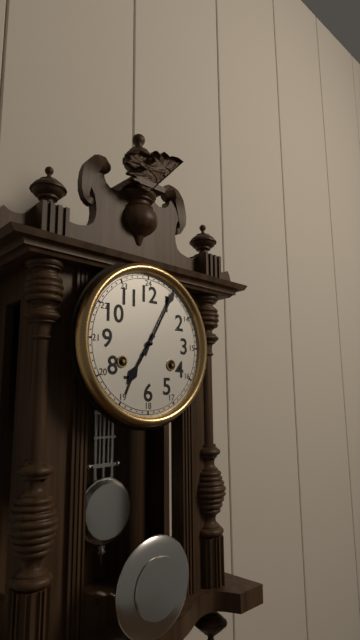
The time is **7:05**
